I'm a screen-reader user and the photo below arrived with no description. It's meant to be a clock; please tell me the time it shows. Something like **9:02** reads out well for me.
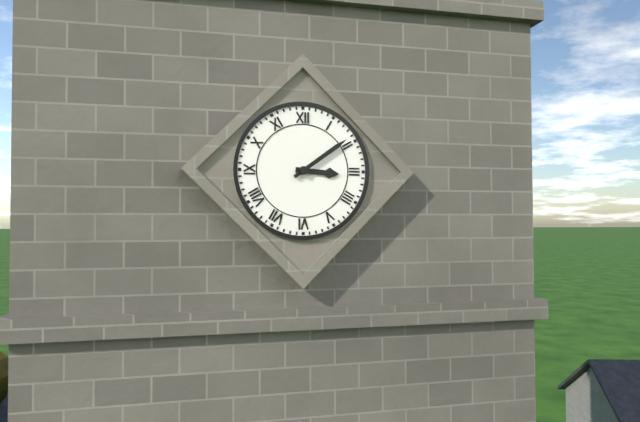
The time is **3:09**
